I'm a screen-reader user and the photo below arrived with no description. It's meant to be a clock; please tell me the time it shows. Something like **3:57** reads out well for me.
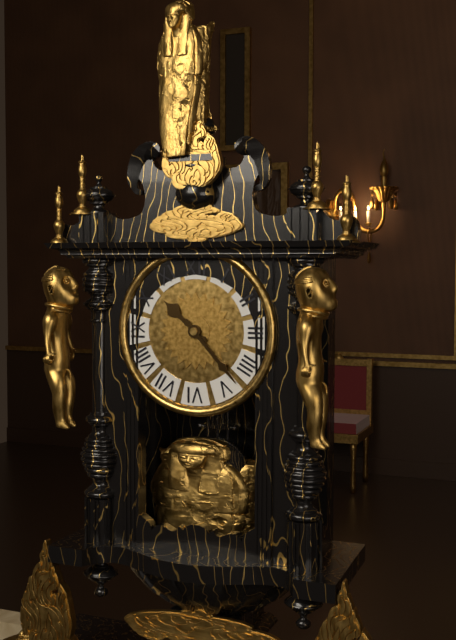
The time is **10:23**
